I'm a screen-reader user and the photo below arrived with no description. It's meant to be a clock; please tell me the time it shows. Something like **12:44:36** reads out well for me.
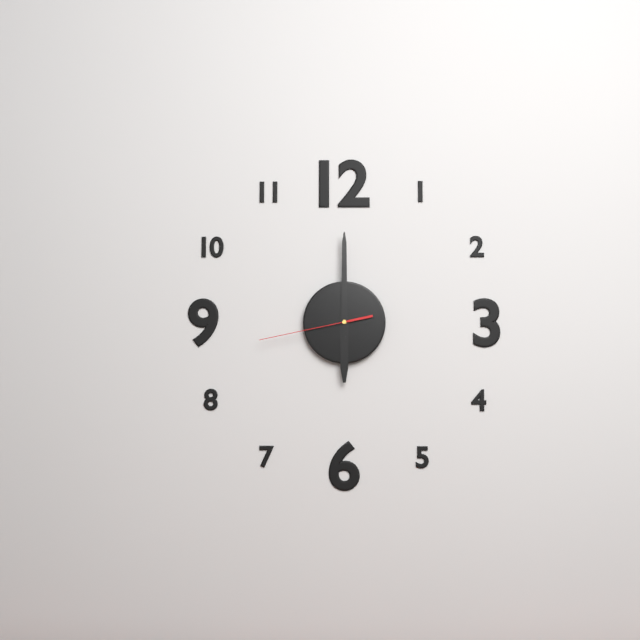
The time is **6:00:43**
